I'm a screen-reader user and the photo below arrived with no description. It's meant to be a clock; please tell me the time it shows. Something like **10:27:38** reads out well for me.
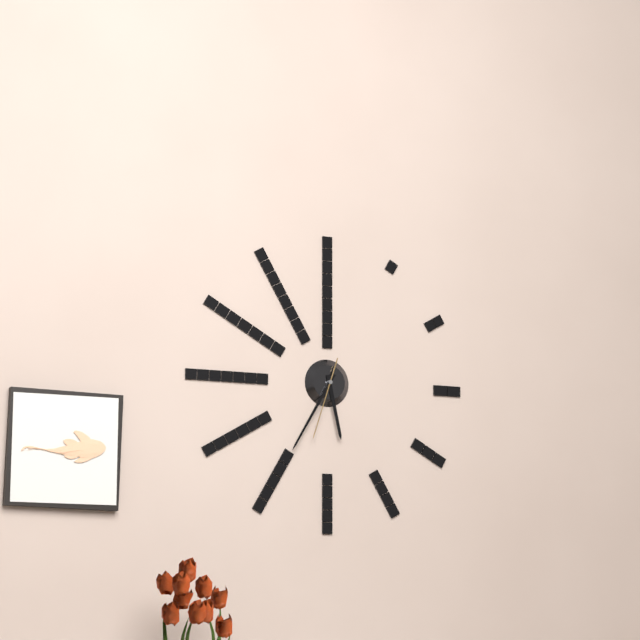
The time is **5:35:33**
